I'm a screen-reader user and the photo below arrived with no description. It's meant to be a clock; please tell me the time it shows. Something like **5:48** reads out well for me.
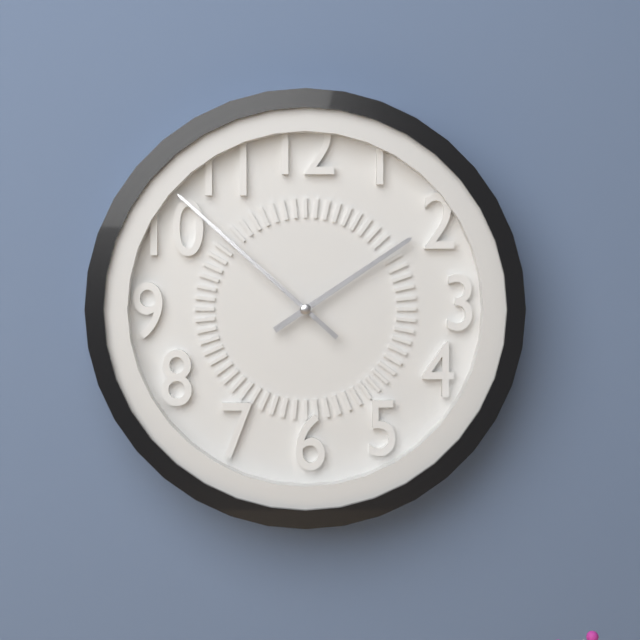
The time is **1:52**
